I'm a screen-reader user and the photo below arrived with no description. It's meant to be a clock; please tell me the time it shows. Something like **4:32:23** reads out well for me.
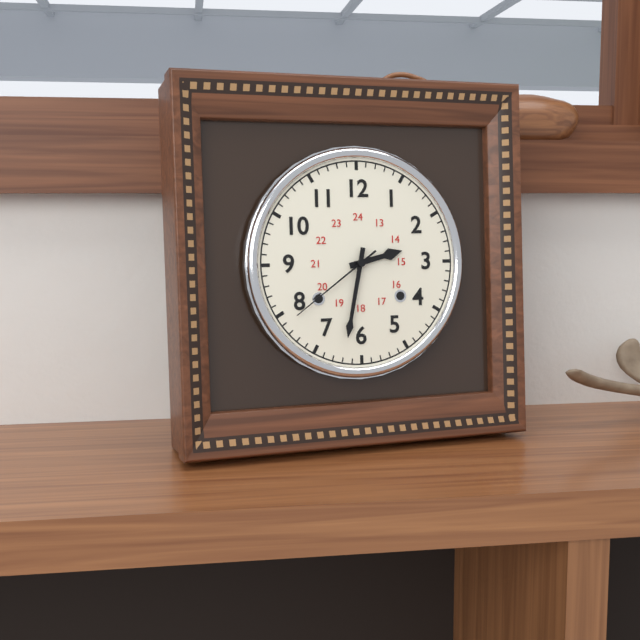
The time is **2:32:39**
